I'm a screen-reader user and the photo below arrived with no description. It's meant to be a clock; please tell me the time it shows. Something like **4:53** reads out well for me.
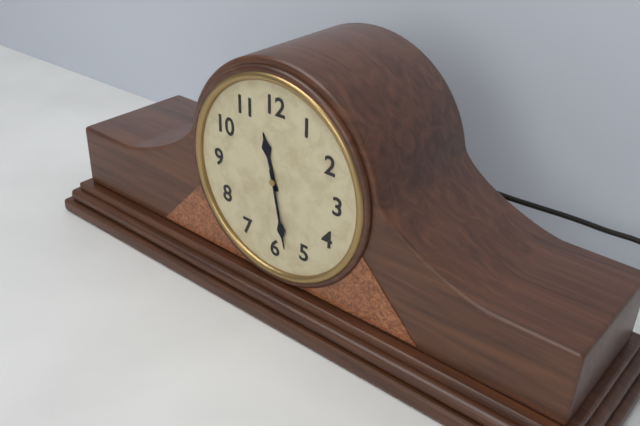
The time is **11:28**
